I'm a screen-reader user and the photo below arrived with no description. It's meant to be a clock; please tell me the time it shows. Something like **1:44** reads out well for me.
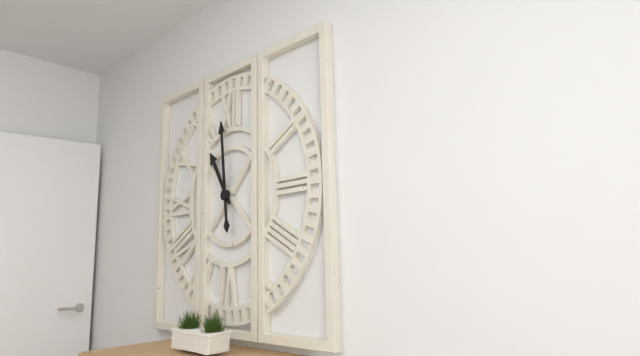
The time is **10:59**
